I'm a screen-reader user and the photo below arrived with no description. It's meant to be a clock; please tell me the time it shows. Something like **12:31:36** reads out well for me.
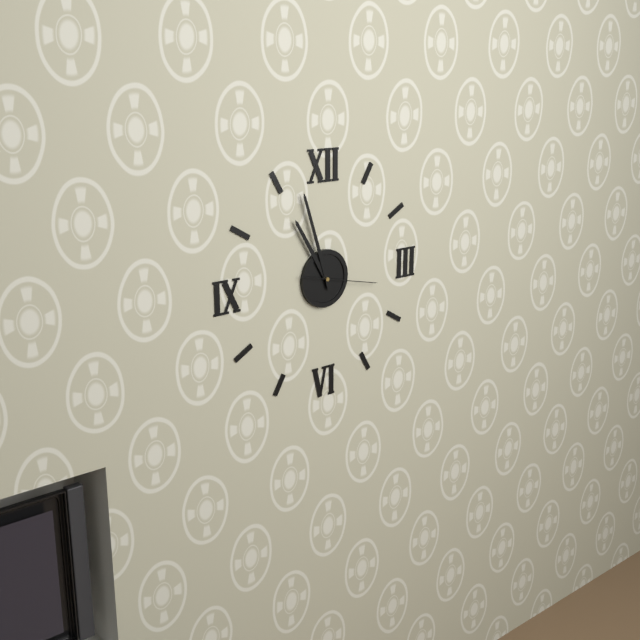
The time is **10:57:17**
